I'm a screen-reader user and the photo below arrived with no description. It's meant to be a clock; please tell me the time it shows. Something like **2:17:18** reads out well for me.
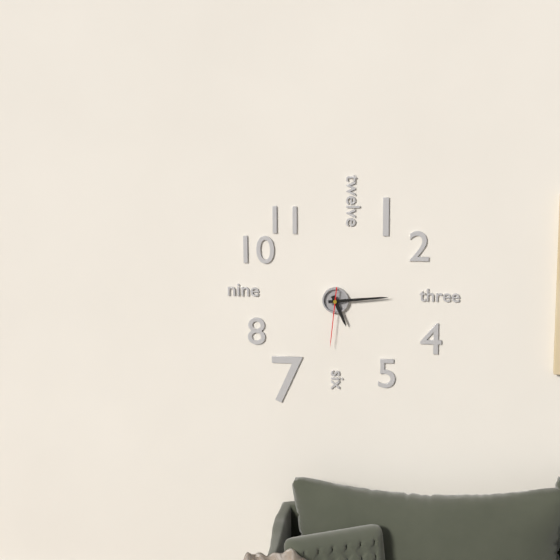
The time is **5:14:31**
